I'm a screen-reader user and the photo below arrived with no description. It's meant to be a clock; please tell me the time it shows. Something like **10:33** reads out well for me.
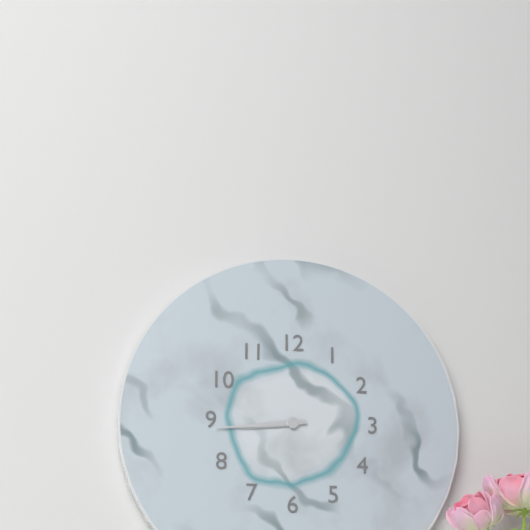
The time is **8:44**
